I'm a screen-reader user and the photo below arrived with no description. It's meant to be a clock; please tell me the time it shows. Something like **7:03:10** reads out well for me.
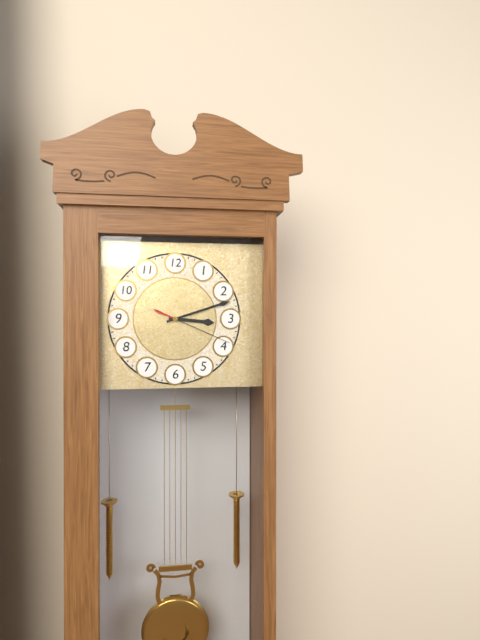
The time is **3:12:19**
